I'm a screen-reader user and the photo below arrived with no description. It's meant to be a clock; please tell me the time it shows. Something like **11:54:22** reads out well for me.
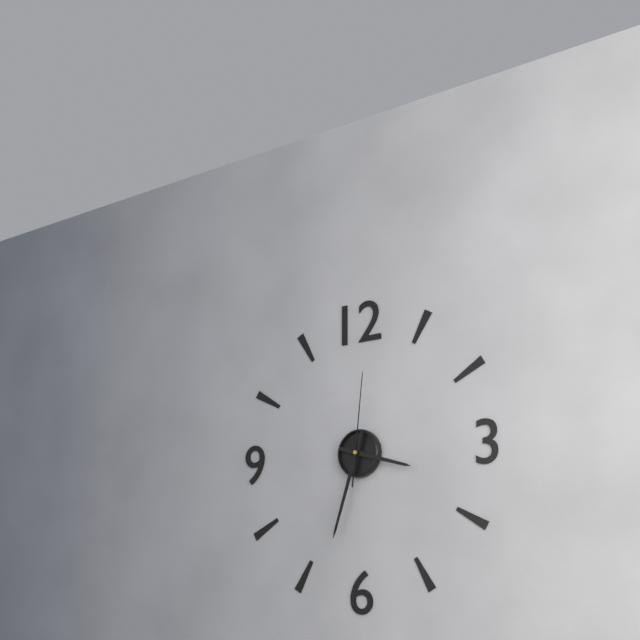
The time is **3:33:01**
